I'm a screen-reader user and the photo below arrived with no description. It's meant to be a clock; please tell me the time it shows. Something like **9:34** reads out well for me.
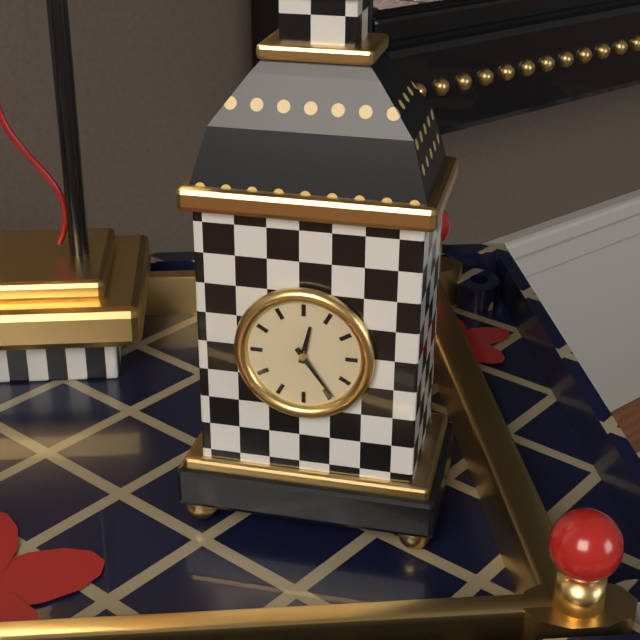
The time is **12:24**
